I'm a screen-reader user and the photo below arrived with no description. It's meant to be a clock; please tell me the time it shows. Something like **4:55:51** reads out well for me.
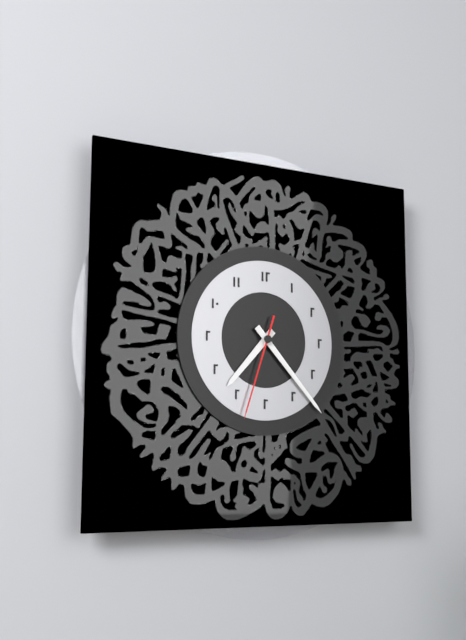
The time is **7:23:33**
